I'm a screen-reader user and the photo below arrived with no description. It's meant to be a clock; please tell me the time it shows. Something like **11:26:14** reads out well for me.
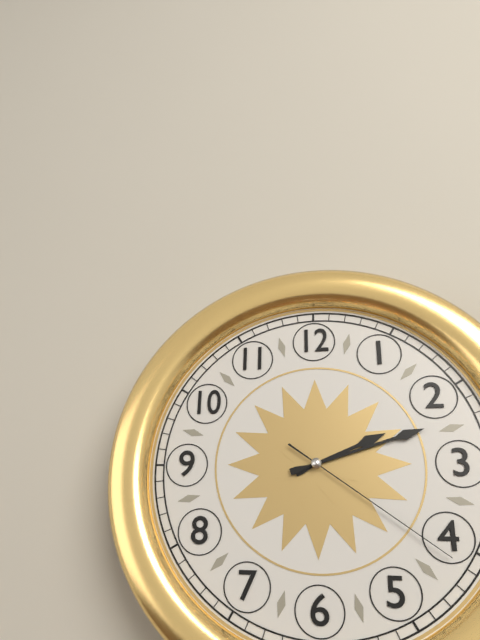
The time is **2:12:21**
